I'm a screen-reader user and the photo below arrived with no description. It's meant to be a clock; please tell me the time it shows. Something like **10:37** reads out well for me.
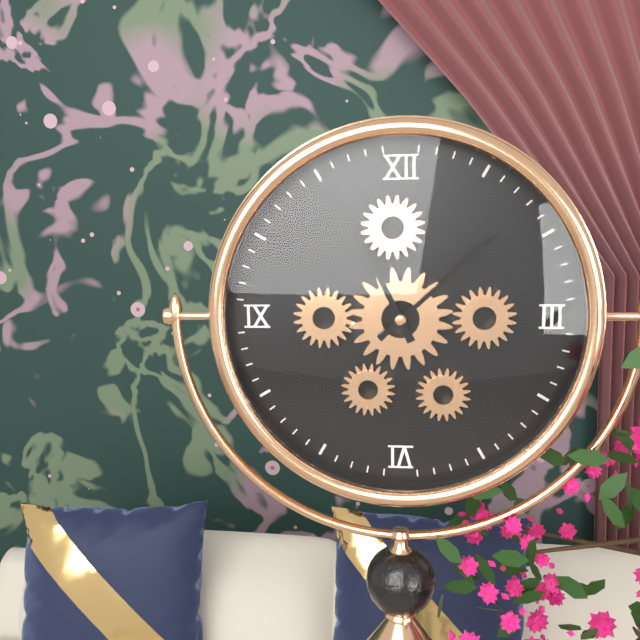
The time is **11:08**
